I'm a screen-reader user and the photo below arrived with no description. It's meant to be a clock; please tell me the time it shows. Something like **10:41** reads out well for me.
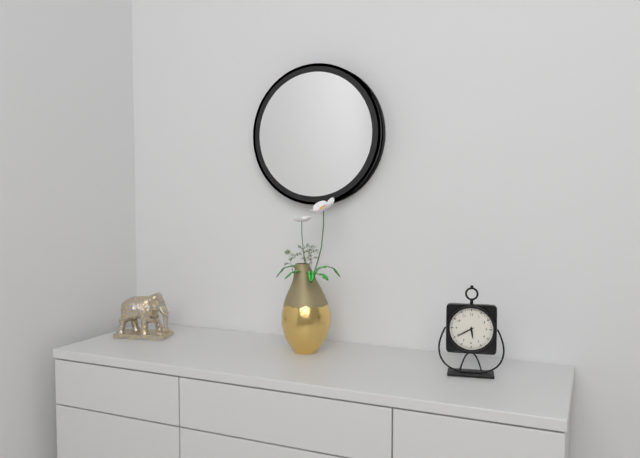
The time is **5:40**
